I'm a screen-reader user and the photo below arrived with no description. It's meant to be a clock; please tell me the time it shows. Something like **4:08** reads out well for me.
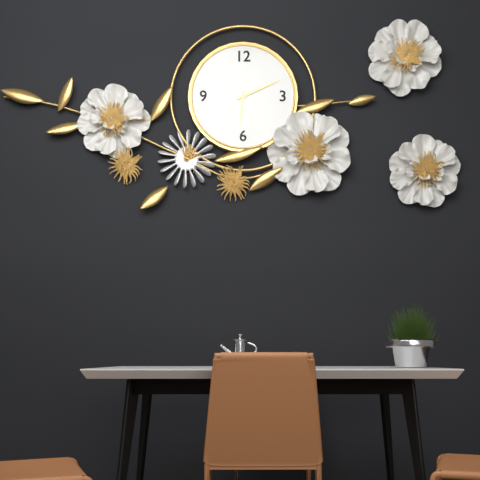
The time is **6:11**
